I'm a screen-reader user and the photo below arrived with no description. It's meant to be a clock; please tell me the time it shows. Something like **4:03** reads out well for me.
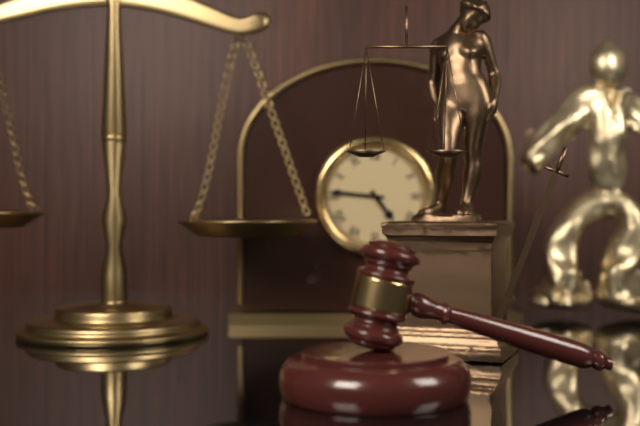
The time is **4:46**
